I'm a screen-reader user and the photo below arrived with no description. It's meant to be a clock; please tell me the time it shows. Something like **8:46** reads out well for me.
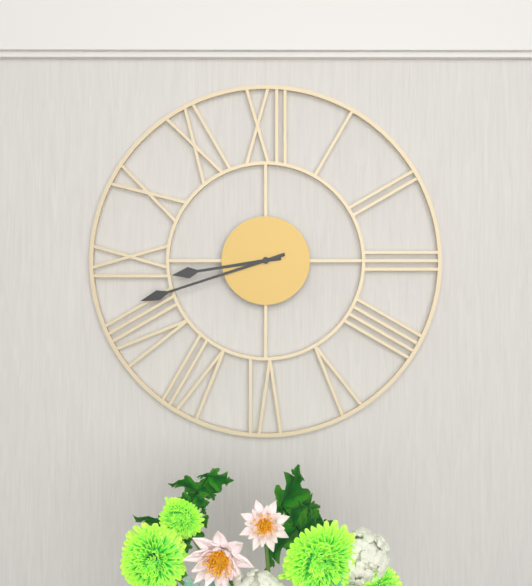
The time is **8:42**
